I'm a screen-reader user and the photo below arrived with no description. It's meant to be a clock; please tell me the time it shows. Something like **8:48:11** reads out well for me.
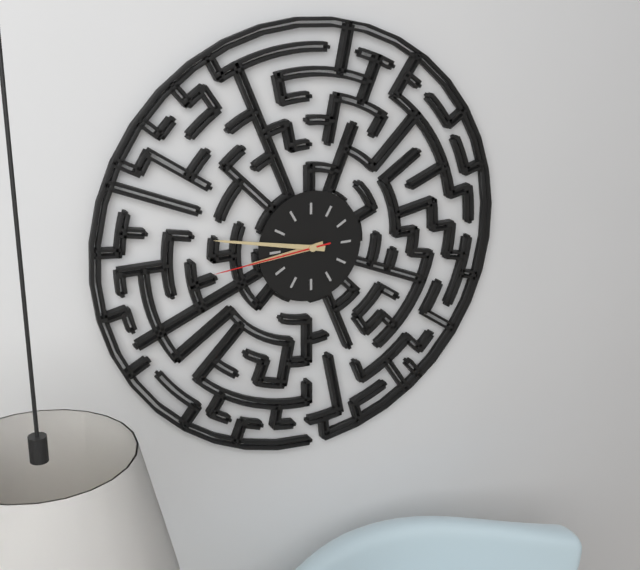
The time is **8:47:44**
